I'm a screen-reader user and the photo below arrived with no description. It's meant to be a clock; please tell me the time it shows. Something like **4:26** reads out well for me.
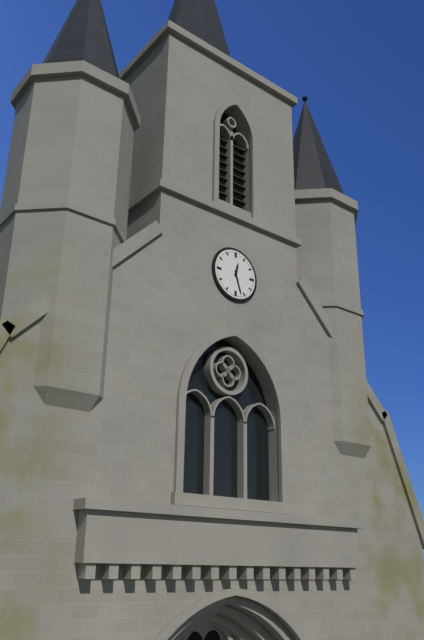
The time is **12:27**
